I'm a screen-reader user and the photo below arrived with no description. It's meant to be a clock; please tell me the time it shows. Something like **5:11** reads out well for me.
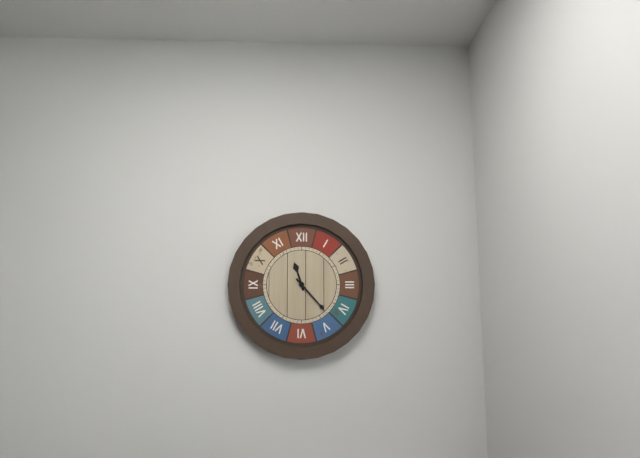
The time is **11:23**
